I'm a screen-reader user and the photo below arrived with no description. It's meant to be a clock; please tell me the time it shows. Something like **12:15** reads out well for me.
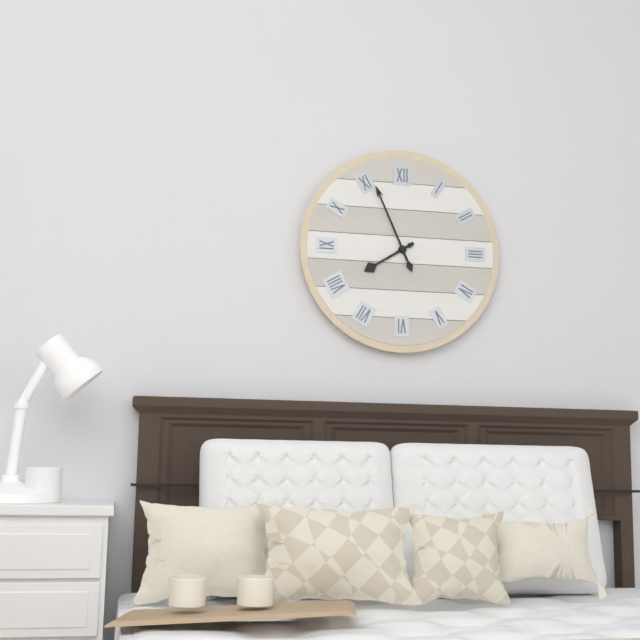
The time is **7:56**
